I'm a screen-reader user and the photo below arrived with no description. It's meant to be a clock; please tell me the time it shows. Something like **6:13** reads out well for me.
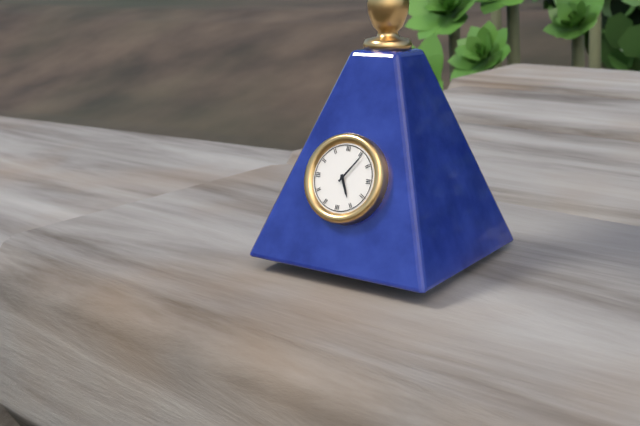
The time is **5:06**
